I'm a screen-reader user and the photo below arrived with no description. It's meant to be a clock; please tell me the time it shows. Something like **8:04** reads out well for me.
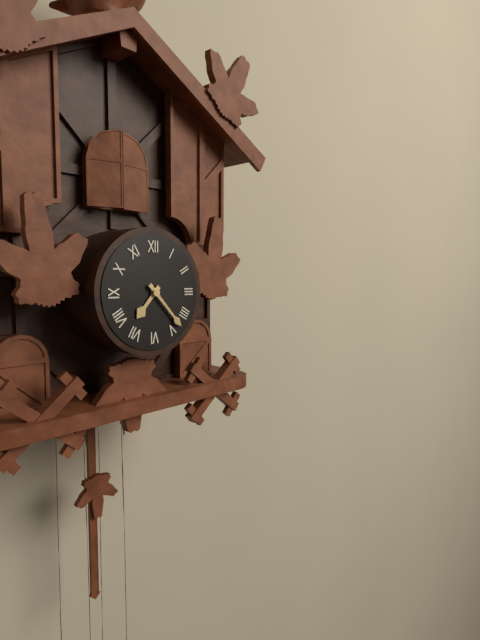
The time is **7:23**
